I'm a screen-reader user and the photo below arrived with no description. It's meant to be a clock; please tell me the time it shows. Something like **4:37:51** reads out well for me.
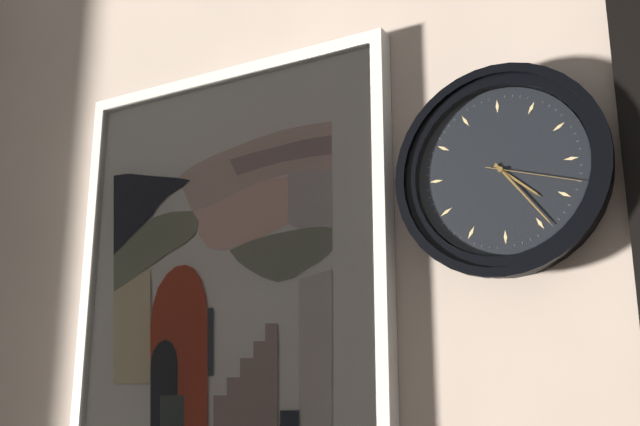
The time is **4:24:18**
